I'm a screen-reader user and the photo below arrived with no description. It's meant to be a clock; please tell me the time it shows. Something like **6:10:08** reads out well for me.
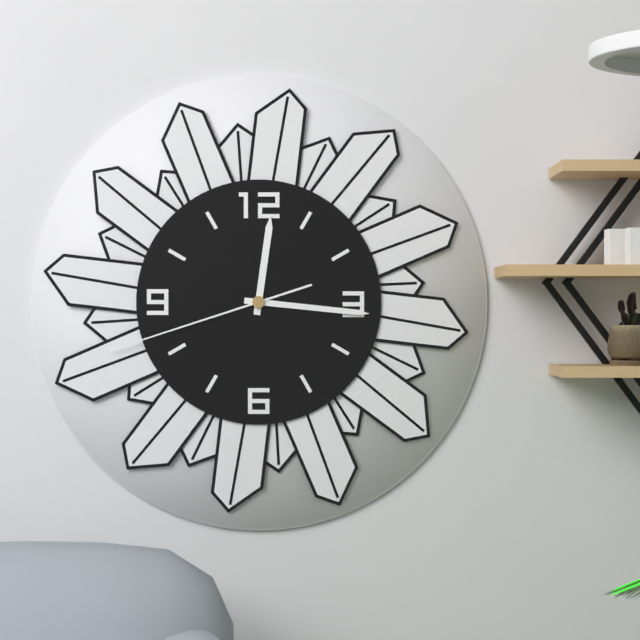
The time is **12:16:42**
